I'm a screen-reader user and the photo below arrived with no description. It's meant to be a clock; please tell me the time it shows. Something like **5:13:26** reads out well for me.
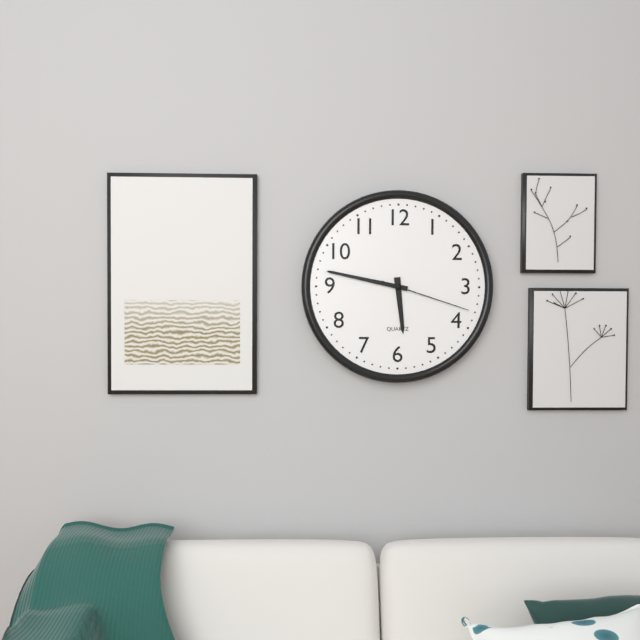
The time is **5:47:18**
